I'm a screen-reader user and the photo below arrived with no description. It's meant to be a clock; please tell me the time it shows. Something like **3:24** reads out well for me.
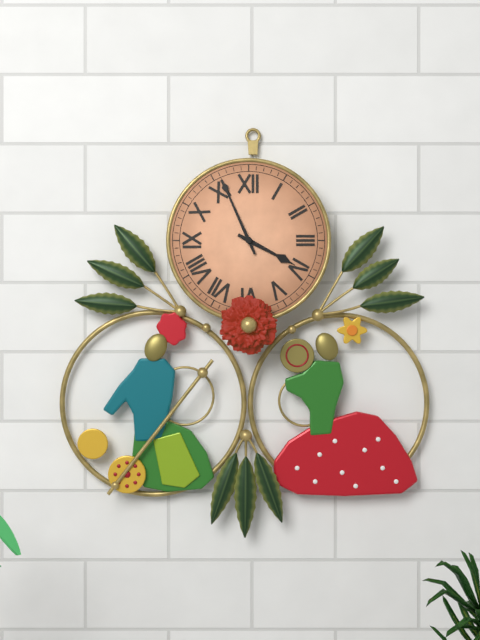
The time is **3:56**
